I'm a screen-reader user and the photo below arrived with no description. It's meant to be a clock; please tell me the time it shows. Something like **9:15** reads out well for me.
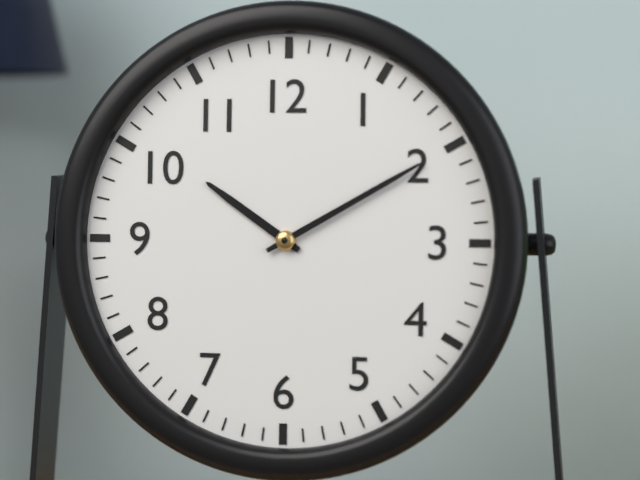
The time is **10:10**
